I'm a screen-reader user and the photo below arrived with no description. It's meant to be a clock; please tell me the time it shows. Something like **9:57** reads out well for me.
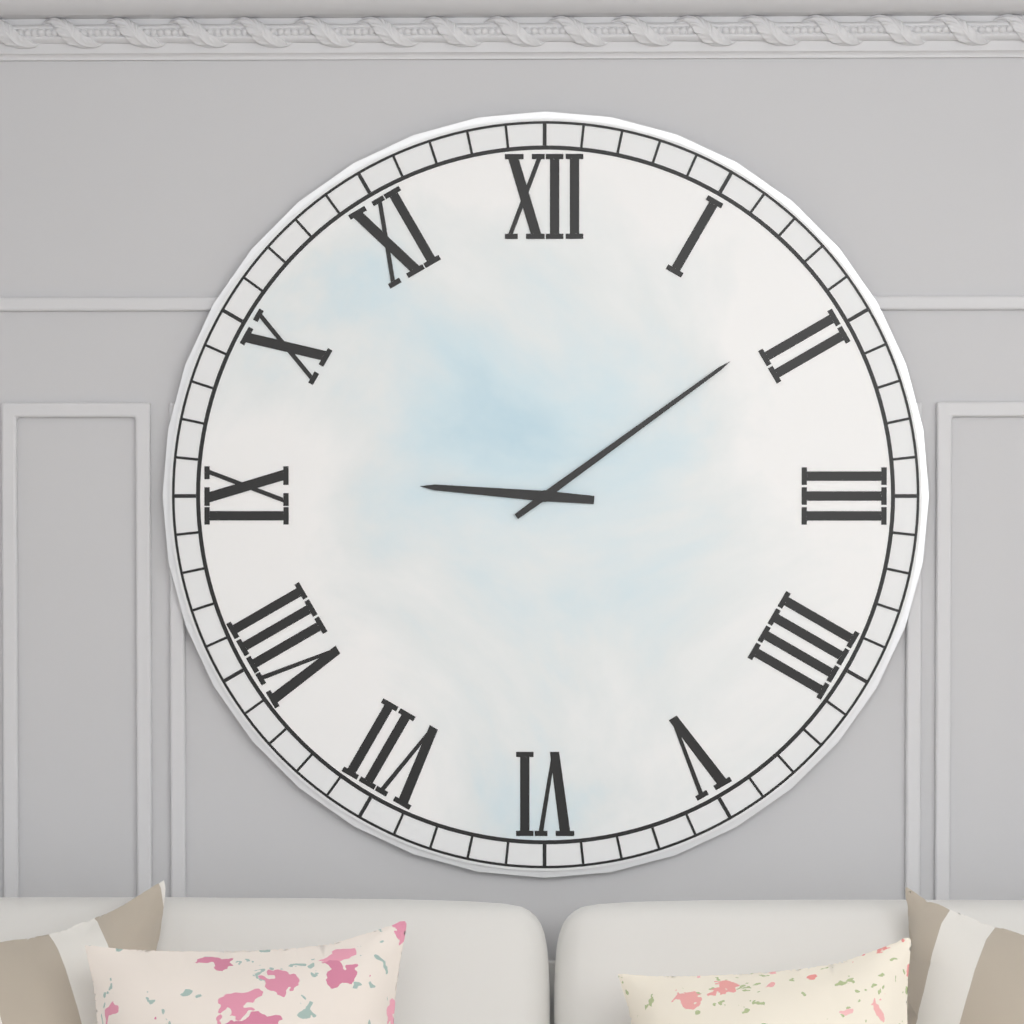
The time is **9:09**
